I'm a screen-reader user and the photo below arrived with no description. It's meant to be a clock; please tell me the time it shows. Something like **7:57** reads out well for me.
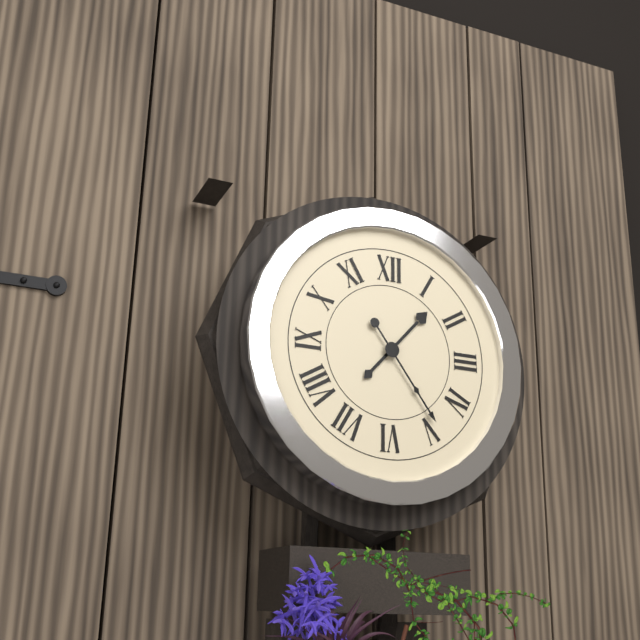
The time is **1:24**
